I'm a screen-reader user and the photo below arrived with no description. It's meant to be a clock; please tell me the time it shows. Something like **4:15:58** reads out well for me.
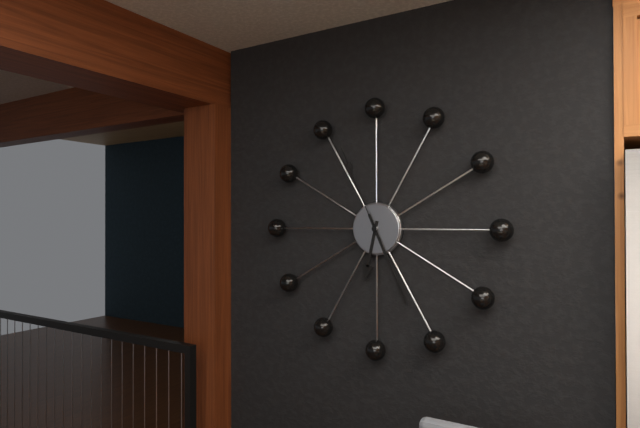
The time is **6:26:56**
